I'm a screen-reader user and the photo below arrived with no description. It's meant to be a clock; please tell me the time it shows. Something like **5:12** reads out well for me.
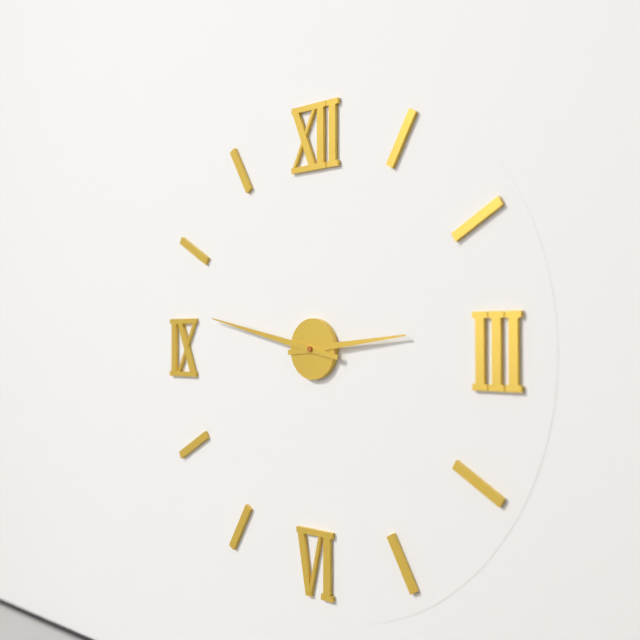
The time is **2:47**
